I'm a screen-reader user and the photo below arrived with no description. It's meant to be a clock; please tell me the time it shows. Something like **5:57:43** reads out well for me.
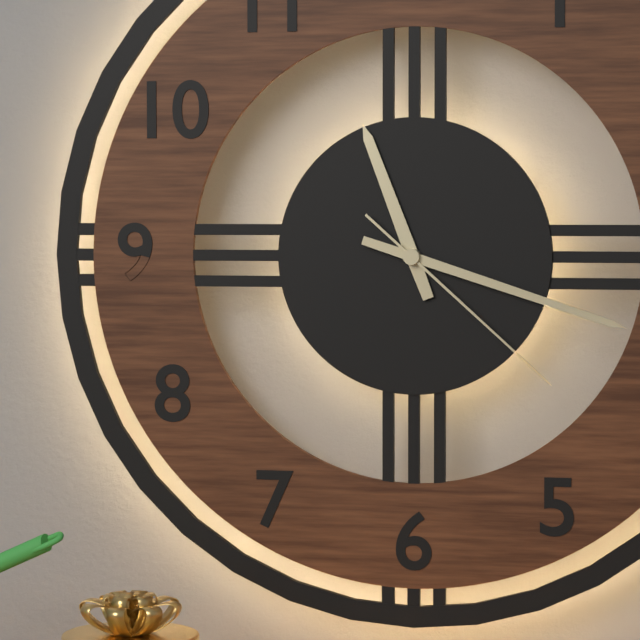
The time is **11:18:22**
